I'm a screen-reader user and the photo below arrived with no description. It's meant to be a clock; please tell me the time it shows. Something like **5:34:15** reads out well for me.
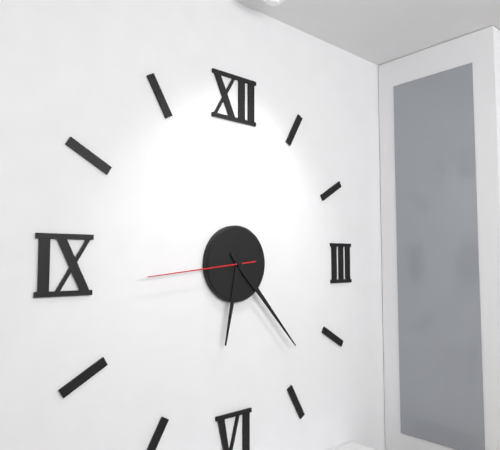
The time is **6:23:44**
